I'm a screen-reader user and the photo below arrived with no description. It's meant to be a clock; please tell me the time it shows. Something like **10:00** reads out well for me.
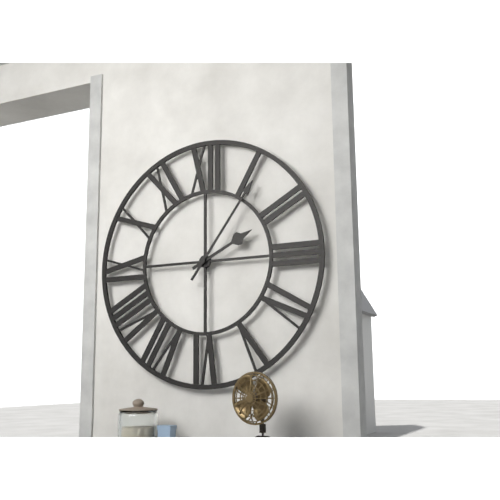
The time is **2:06**
